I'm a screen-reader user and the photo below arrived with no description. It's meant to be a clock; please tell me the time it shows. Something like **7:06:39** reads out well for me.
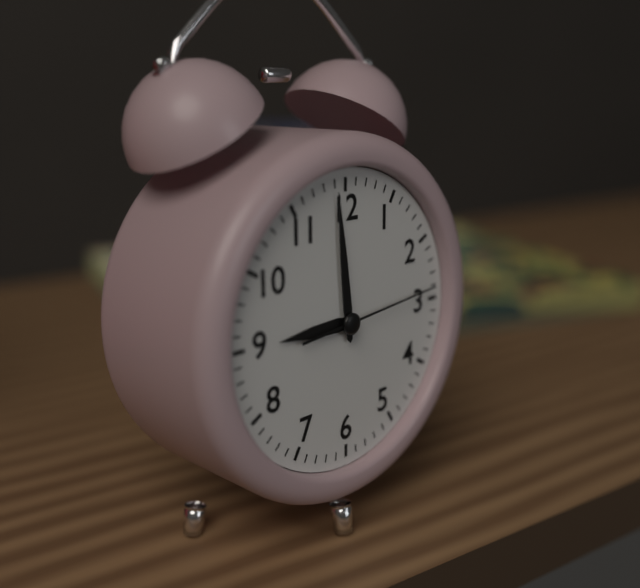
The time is **8:59:14**
